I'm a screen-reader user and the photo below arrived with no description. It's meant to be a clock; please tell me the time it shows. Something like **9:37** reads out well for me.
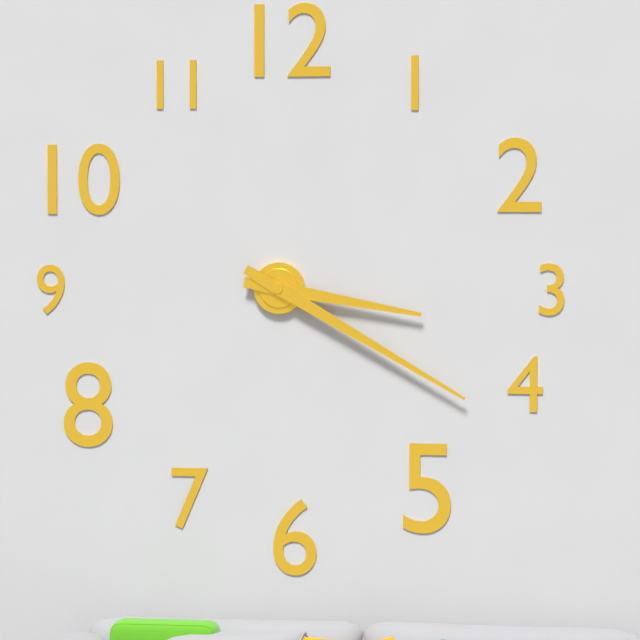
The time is **3:20**
